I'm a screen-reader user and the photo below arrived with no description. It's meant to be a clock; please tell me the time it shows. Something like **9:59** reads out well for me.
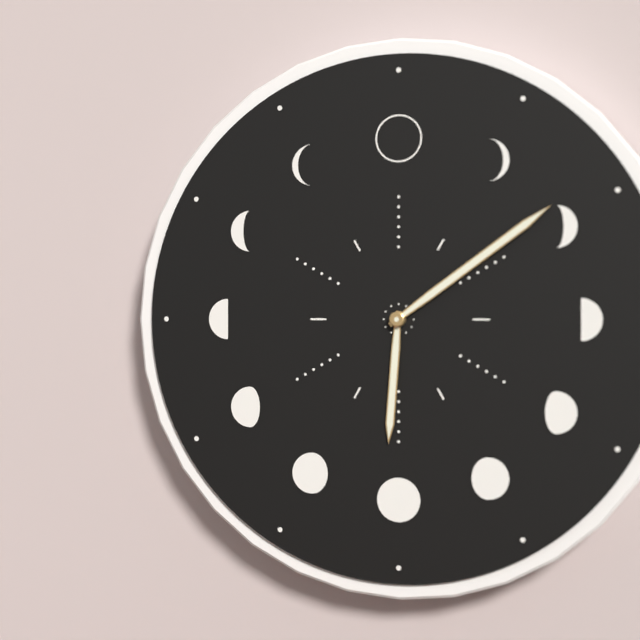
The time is **6:09**
